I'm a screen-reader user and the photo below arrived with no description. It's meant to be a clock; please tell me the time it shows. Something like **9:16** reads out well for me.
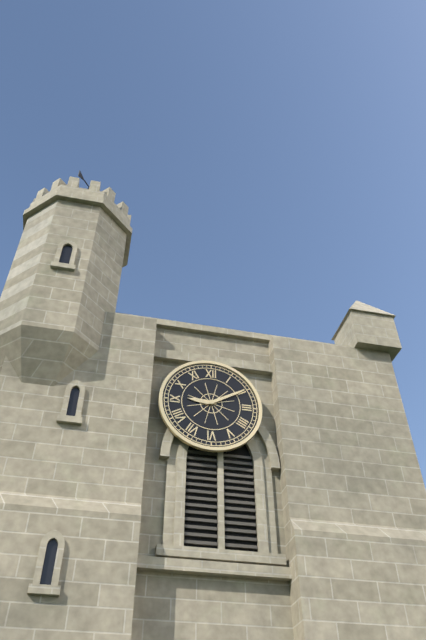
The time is **9:10**
